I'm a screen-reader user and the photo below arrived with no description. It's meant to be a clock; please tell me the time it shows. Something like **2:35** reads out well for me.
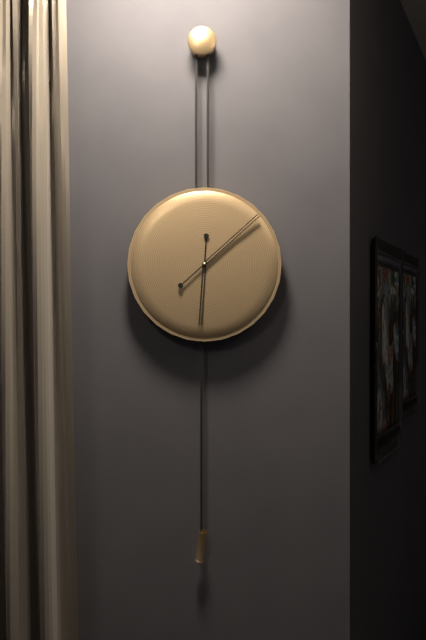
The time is **6:08**
